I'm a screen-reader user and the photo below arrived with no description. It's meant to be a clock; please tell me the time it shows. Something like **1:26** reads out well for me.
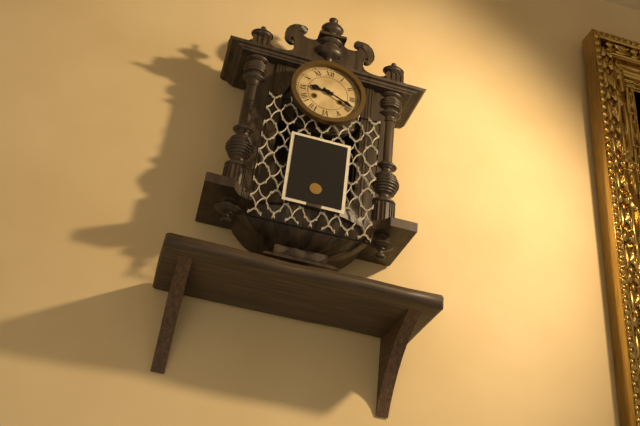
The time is **9:19**
